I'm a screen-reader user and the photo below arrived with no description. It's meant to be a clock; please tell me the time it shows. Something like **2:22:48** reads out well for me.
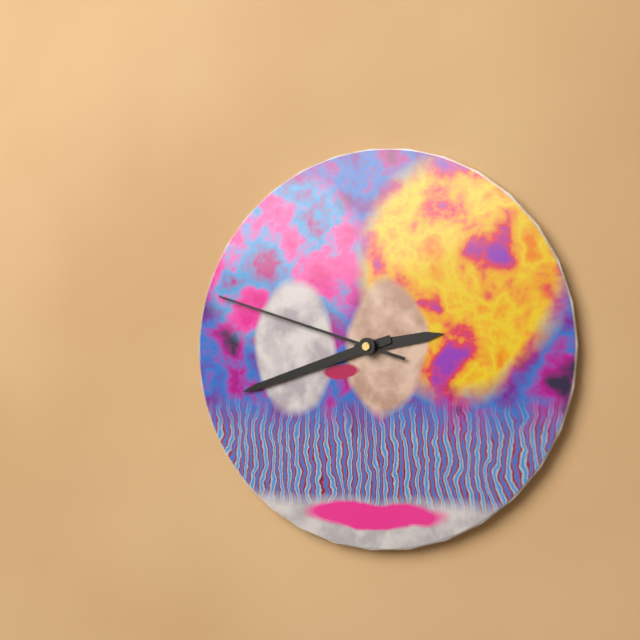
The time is **2:42:48**
